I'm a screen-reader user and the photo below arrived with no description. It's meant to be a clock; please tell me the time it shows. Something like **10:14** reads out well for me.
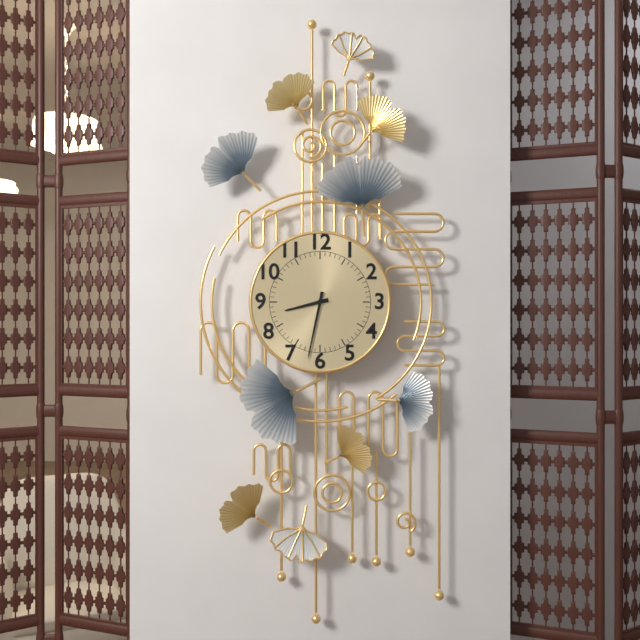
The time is **8:32**
